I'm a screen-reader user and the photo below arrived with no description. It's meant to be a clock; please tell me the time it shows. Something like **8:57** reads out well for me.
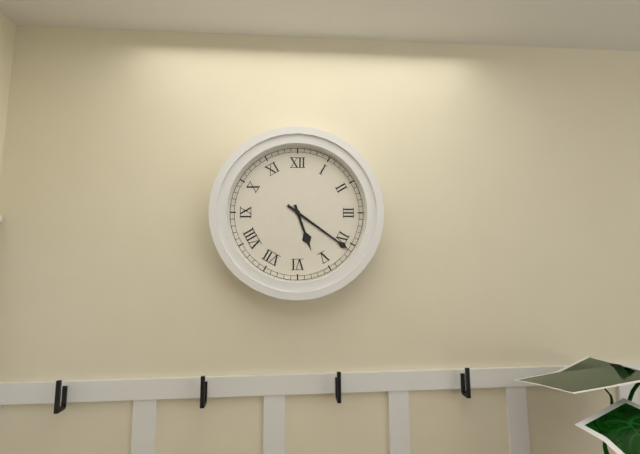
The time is **5:21**
